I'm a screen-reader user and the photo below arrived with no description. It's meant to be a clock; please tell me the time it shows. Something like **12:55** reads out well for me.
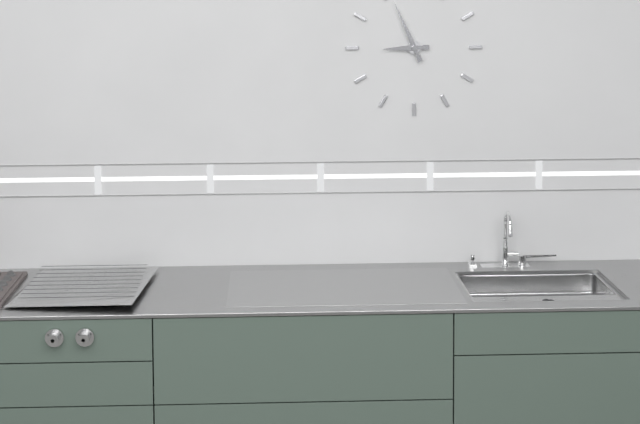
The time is **8:56**
